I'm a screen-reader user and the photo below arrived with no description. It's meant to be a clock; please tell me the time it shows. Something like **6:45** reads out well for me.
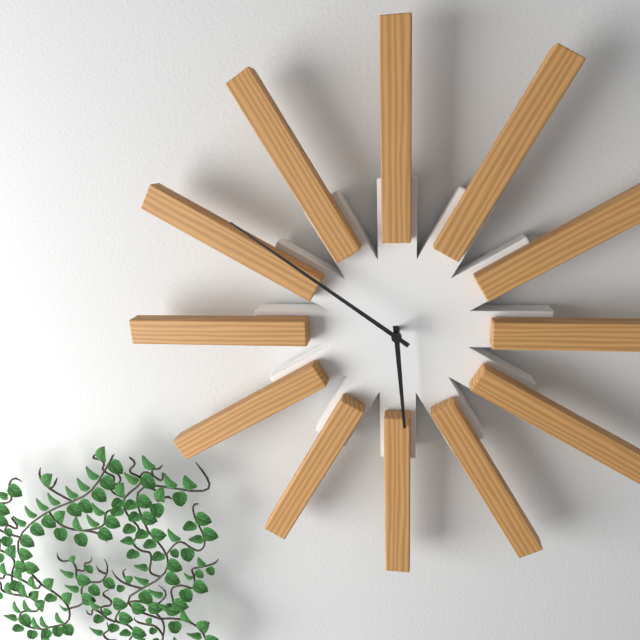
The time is **5:51**
